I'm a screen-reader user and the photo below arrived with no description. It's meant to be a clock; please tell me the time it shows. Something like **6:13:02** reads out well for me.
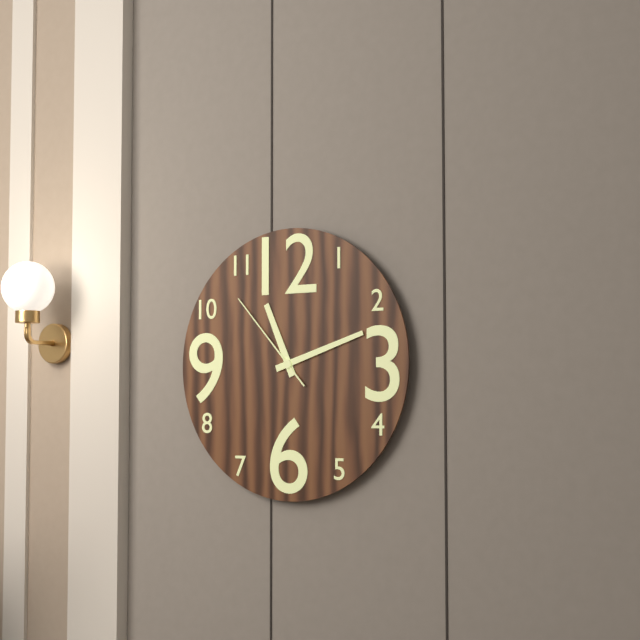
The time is **11:12:53**
